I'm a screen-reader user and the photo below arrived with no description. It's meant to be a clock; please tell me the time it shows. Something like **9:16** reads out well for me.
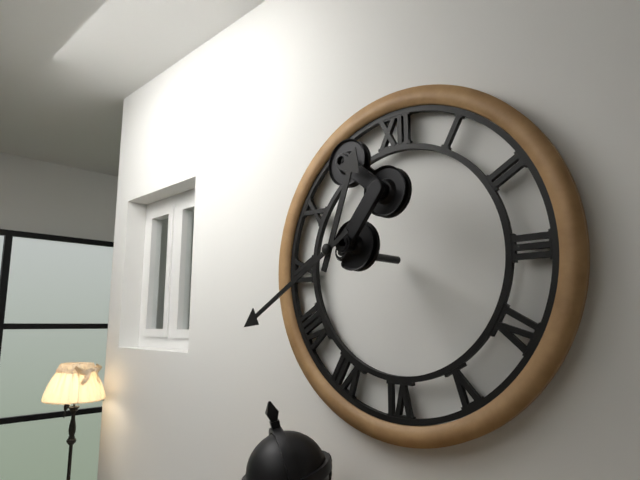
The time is **12:40**
